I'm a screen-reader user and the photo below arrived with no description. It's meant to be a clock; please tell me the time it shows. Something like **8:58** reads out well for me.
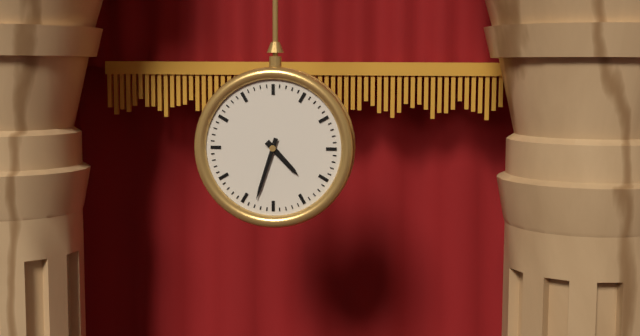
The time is **4:33**
